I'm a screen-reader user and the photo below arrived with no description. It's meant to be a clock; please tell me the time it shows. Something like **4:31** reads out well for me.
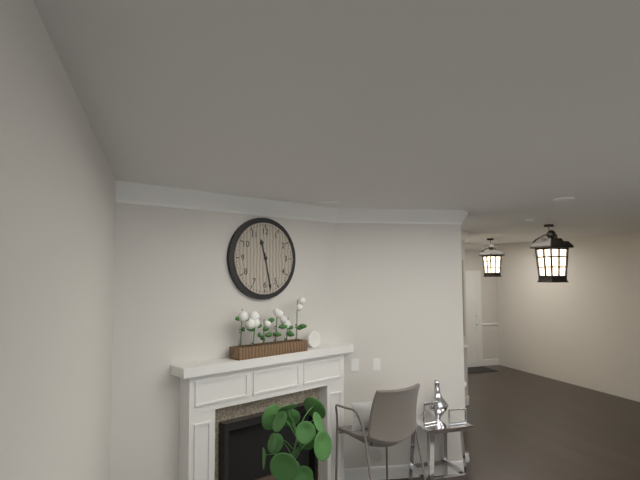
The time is **11:28**
